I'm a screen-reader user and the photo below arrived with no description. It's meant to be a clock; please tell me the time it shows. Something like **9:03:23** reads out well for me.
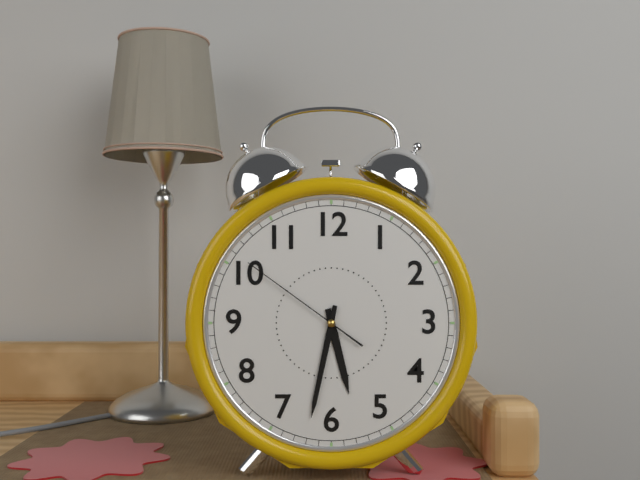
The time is **5:32:51**
